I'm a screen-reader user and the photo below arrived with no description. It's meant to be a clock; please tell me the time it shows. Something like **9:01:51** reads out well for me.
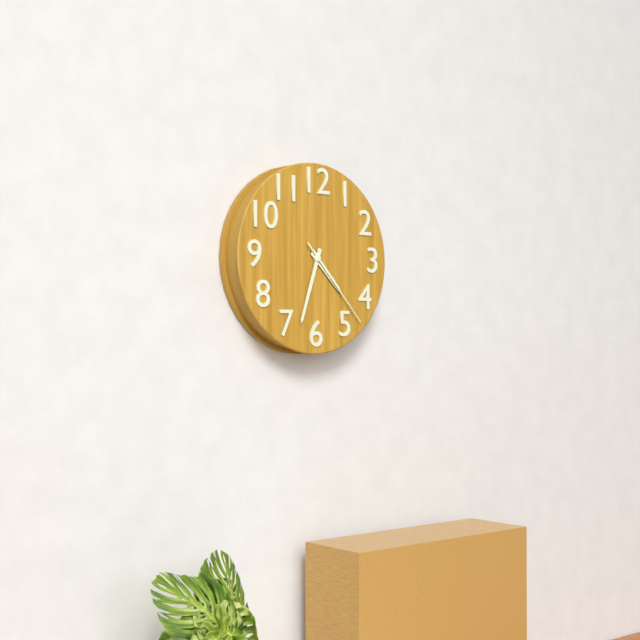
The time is **4:33:23**
